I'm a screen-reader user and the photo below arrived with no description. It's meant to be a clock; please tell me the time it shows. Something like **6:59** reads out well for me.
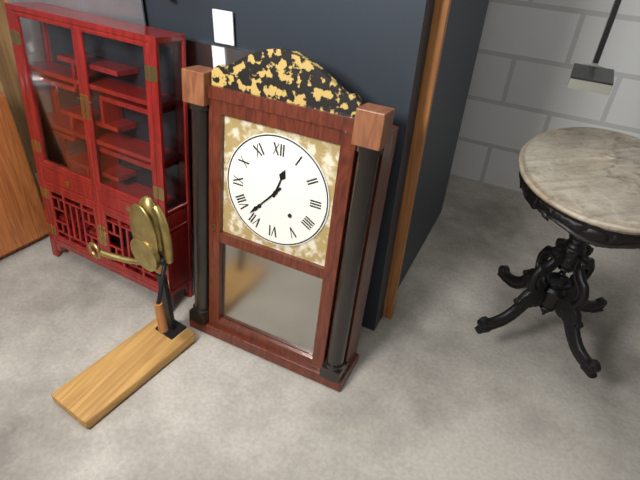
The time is **12:37**
